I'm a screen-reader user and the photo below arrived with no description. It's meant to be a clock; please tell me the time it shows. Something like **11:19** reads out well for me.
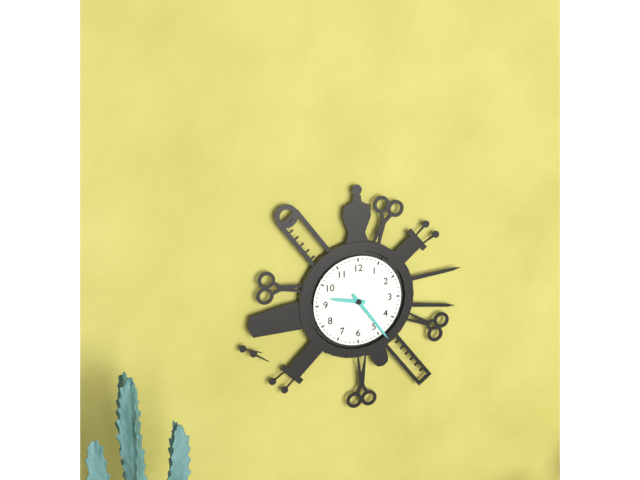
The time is **9:24**
